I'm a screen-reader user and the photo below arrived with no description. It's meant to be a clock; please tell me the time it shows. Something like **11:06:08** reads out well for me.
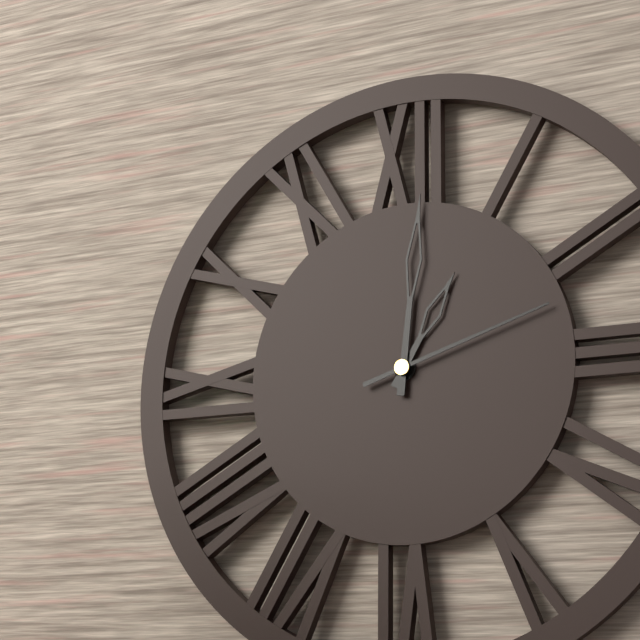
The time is **1:01:12**
